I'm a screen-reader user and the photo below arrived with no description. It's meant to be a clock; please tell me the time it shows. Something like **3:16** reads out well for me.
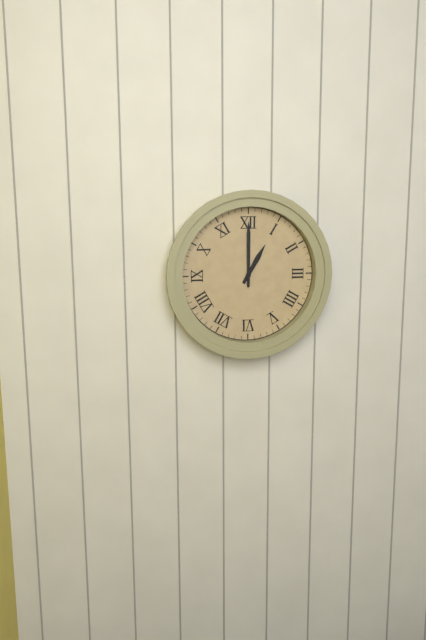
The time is **1:00**
